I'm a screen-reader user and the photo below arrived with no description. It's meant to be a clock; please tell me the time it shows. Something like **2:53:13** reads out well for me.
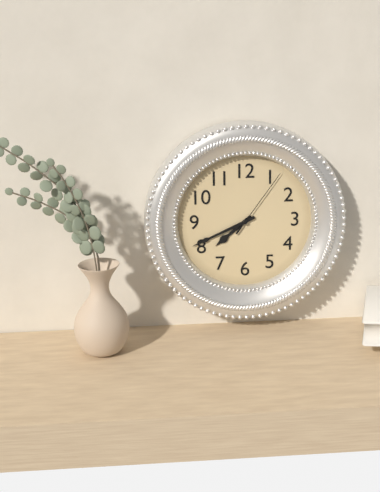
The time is **7:41:06**
